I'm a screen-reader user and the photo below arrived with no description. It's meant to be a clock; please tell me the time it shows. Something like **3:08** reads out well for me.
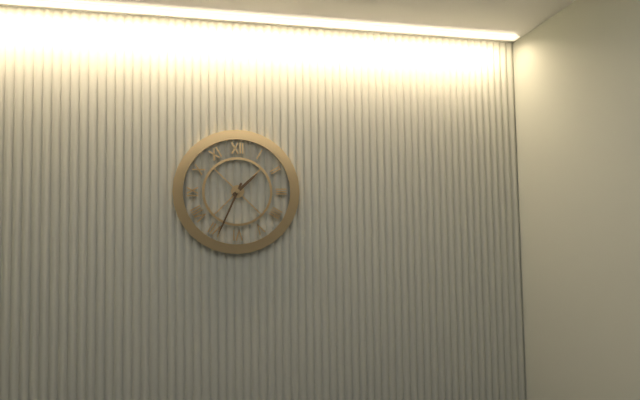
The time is **1:34**
